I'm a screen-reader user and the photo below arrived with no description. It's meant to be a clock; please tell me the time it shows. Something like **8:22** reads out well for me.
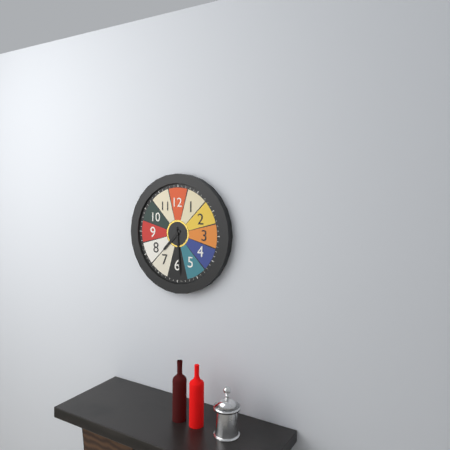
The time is **7:29**
